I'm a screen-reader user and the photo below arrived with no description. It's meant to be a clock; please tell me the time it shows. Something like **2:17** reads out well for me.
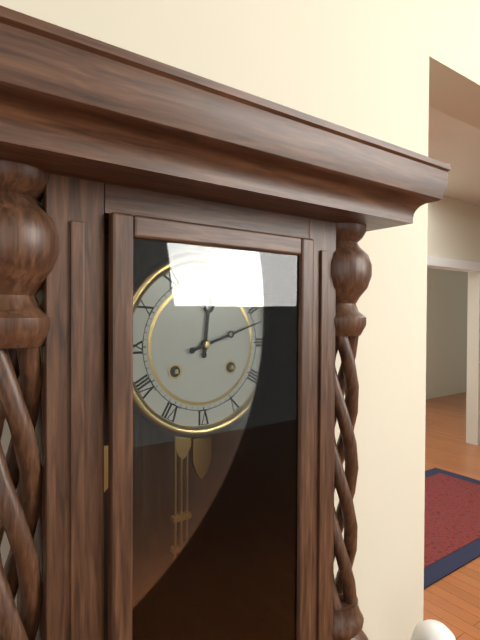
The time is **12:12**
